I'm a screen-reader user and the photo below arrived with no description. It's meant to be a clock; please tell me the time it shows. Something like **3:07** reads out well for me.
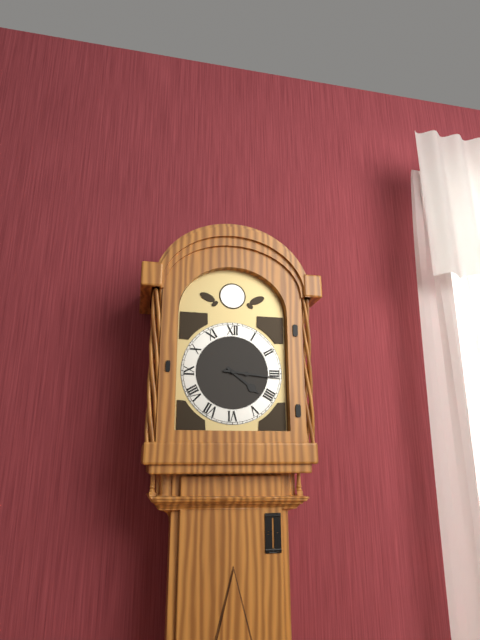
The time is **4:16**
